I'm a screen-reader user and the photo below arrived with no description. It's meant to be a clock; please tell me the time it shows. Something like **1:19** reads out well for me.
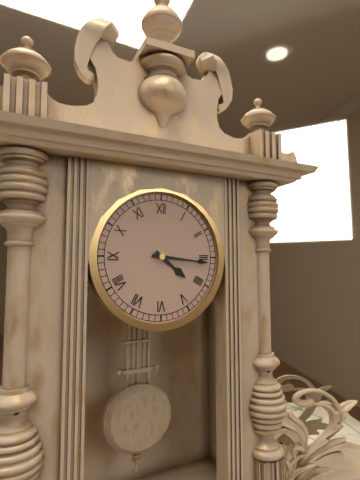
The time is **4:16**
